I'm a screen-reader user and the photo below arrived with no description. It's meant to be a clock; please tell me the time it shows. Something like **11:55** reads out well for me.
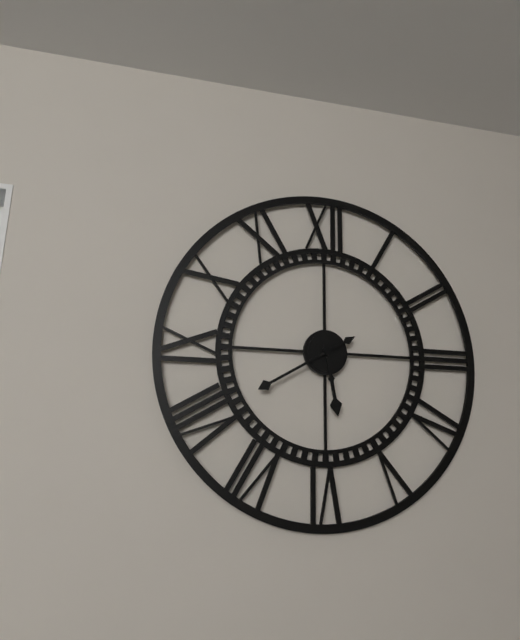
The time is **5:40**
